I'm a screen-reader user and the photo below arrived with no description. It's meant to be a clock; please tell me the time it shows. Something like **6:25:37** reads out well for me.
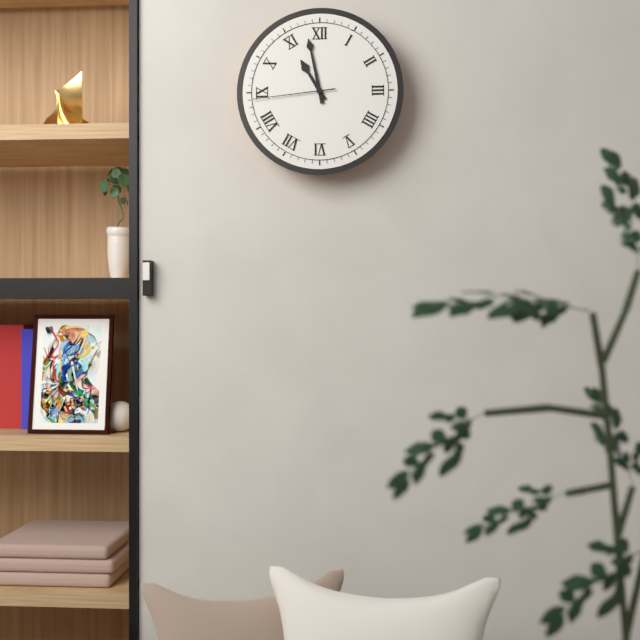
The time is **10:58:44**
